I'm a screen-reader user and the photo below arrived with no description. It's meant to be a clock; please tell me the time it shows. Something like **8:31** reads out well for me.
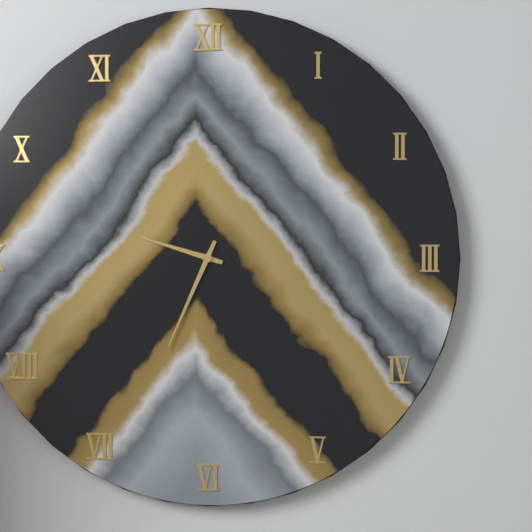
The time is **9:34**
